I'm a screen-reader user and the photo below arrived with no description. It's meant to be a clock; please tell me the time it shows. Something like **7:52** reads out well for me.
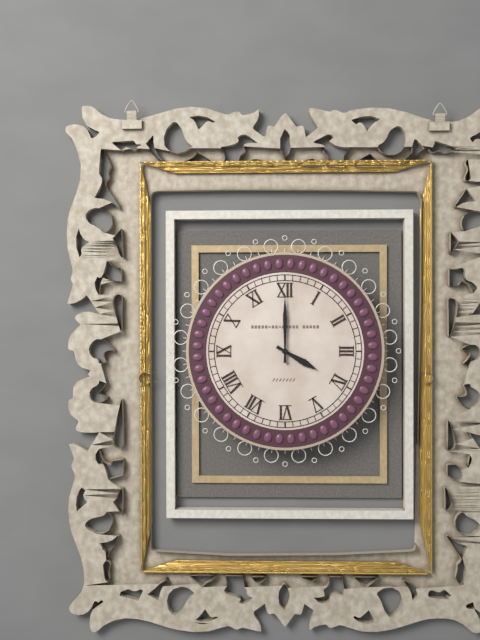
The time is **4:00**
